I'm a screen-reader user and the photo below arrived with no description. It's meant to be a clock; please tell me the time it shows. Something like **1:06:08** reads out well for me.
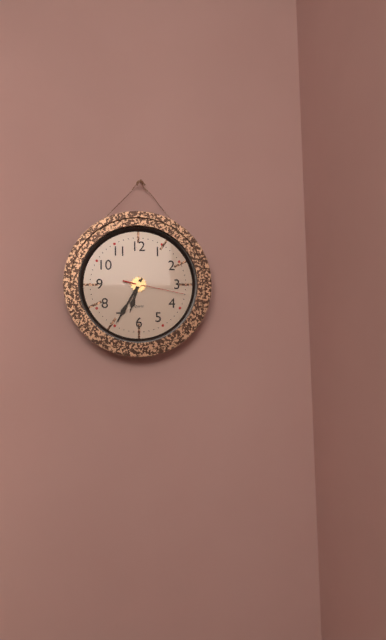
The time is **6:35:17**
